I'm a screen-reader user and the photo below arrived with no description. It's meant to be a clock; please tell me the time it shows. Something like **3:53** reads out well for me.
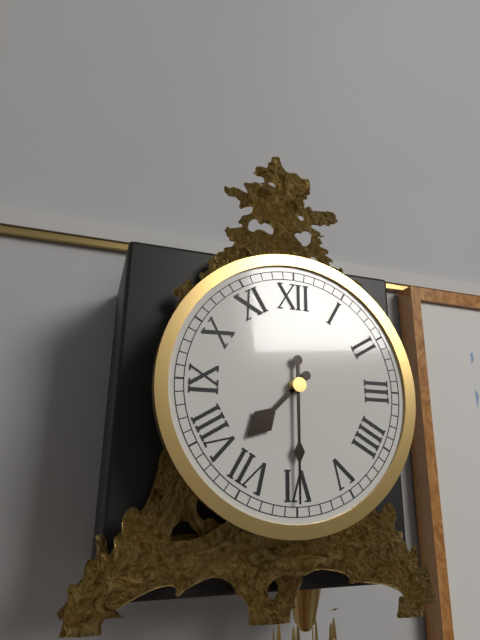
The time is **7:30**
